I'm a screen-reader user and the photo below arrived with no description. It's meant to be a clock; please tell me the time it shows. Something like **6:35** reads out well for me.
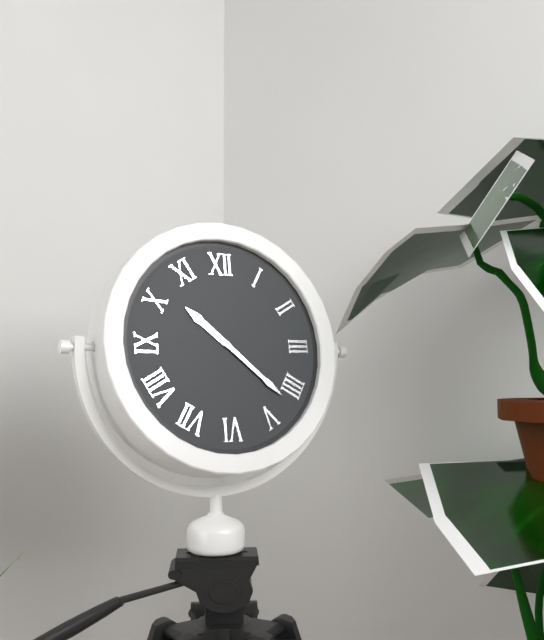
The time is **10:22**
